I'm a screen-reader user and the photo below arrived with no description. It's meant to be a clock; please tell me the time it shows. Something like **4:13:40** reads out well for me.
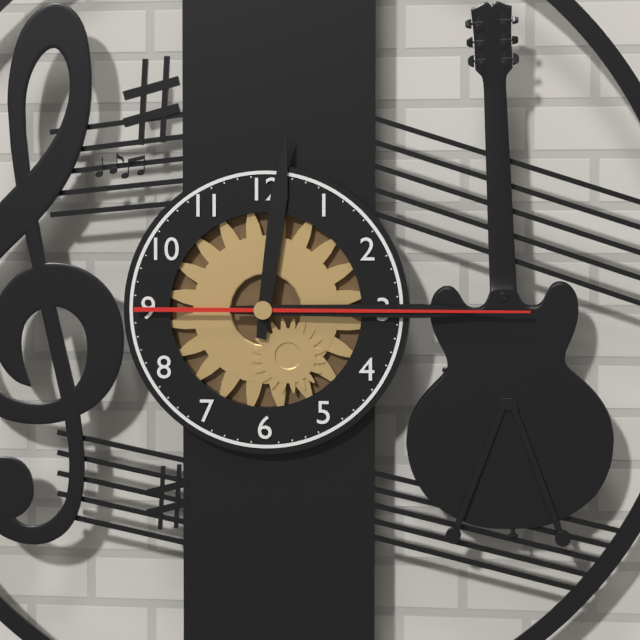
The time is **12:15:15**
